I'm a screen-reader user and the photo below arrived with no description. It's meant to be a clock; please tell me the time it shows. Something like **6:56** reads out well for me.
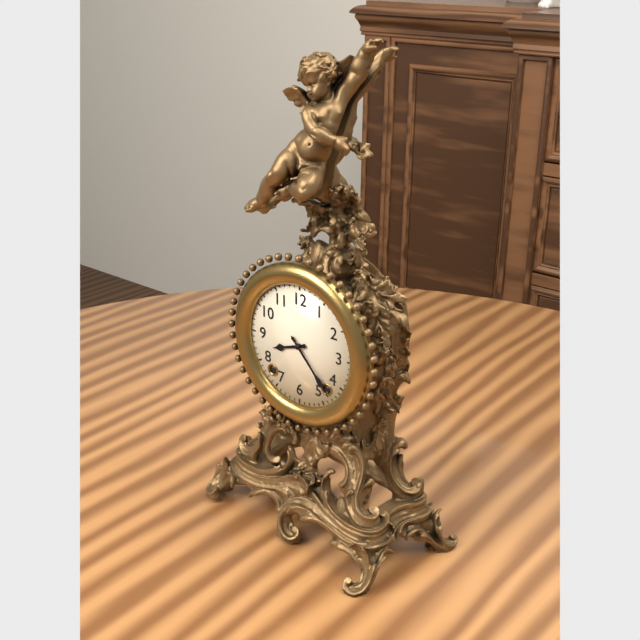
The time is **8:23**
